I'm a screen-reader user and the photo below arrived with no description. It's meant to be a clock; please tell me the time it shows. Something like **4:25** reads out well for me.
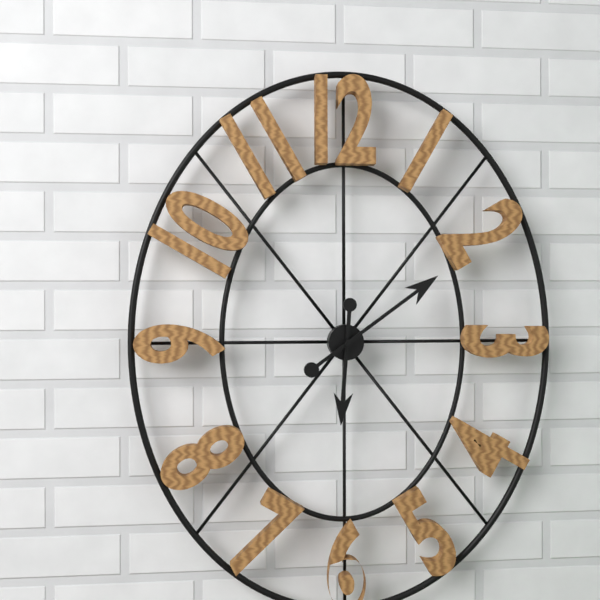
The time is **6:09**
